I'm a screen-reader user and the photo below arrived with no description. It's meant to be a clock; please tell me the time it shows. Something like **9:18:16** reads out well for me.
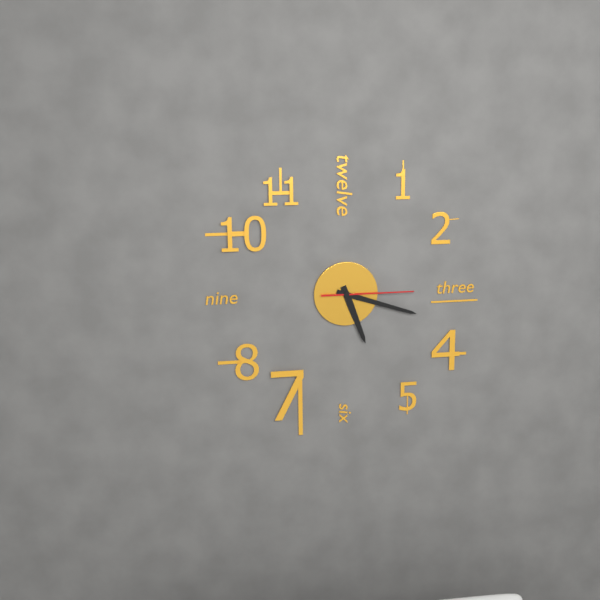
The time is **5:18:15**
